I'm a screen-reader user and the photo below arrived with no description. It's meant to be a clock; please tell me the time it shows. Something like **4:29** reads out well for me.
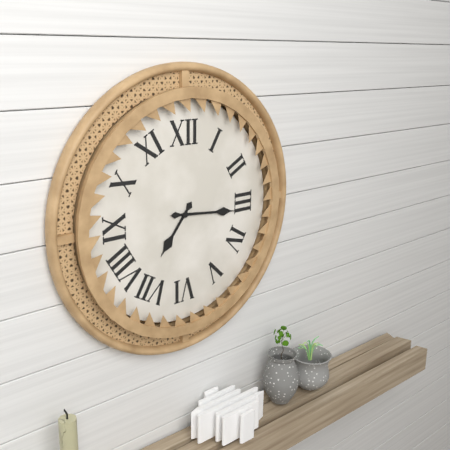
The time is **7:16**
